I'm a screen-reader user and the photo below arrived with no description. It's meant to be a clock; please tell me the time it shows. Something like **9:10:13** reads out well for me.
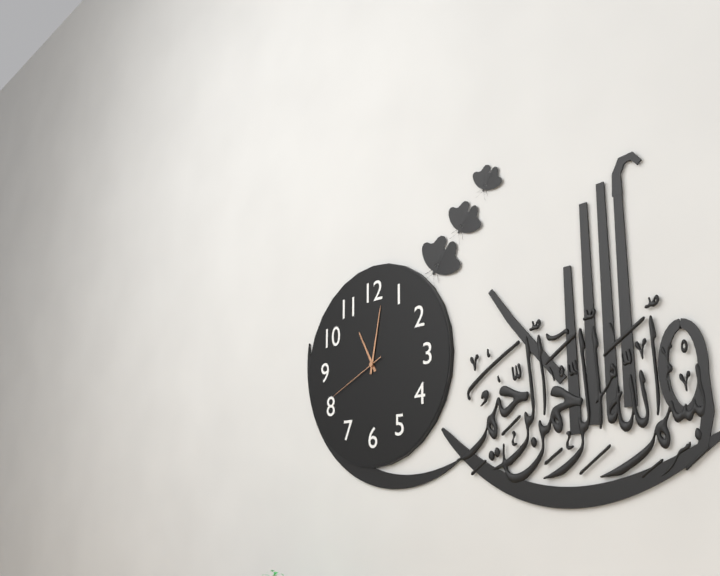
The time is **11:02:41**
